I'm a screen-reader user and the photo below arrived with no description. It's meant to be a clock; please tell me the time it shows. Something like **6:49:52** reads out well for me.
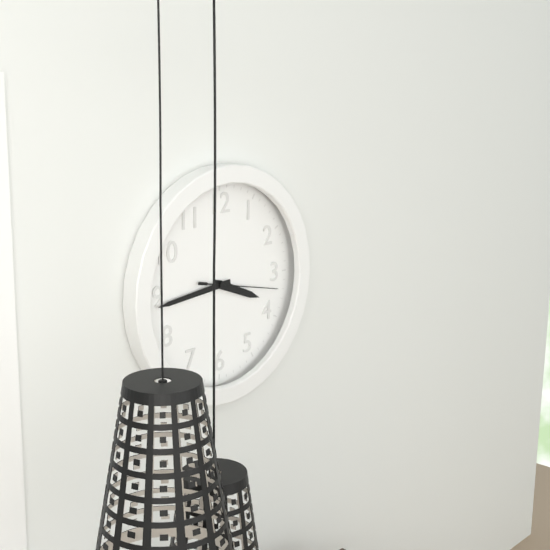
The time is **3:44:17**
